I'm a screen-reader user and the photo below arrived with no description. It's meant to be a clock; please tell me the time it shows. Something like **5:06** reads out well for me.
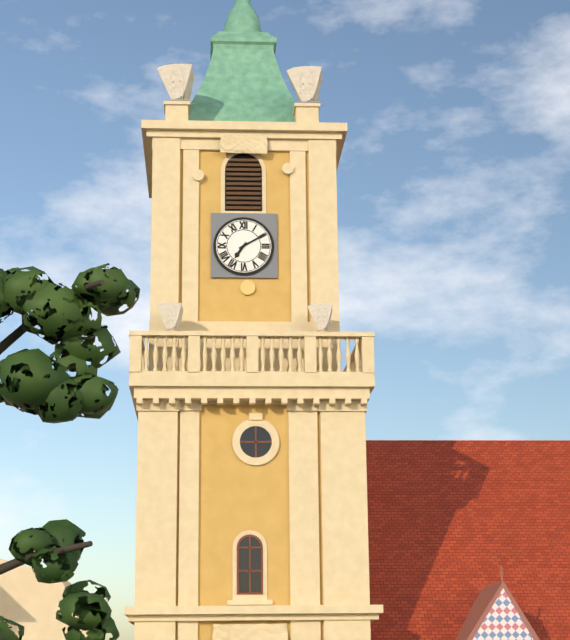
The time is **7:10**
